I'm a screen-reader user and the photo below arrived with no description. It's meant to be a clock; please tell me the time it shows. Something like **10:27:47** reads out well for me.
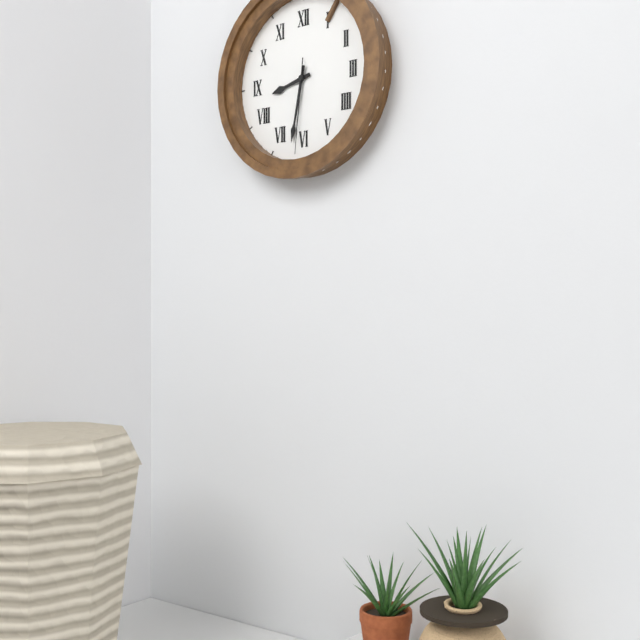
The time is **8:32:31**
